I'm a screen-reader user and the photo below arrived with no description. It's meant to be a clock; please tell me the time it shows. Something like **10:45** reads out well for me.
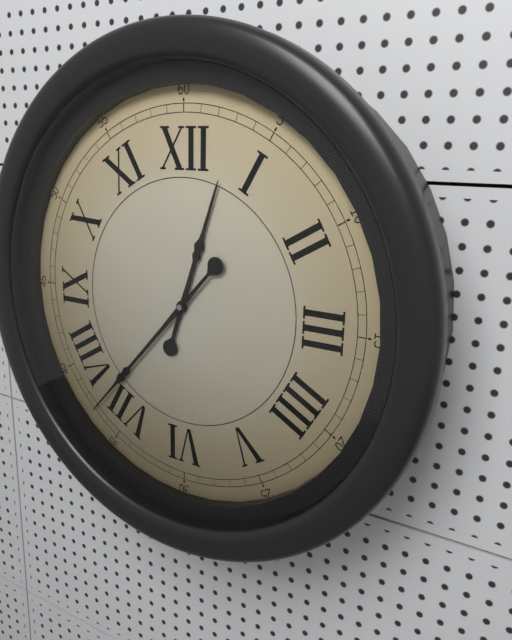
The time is **12:37**
